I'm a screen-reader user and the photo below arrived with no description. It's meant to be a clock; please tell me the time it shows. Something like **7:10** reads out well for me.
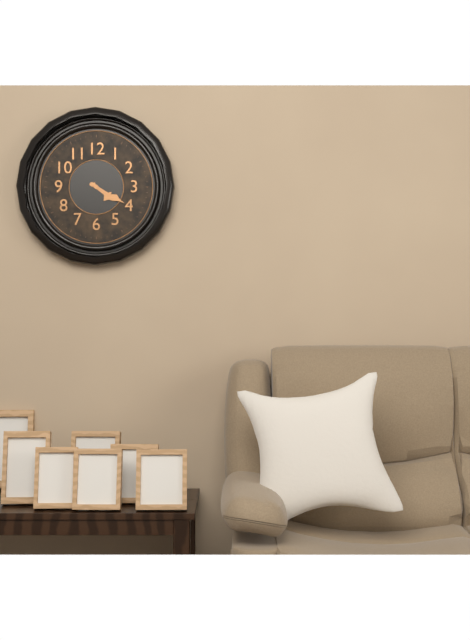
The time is **4:20**
